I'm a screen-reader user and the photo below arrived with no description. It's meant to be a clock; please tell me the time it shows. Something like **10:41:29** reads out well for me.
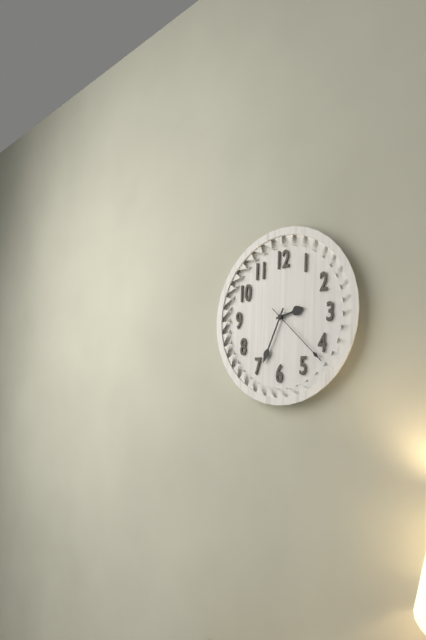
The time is **2:34:22**
